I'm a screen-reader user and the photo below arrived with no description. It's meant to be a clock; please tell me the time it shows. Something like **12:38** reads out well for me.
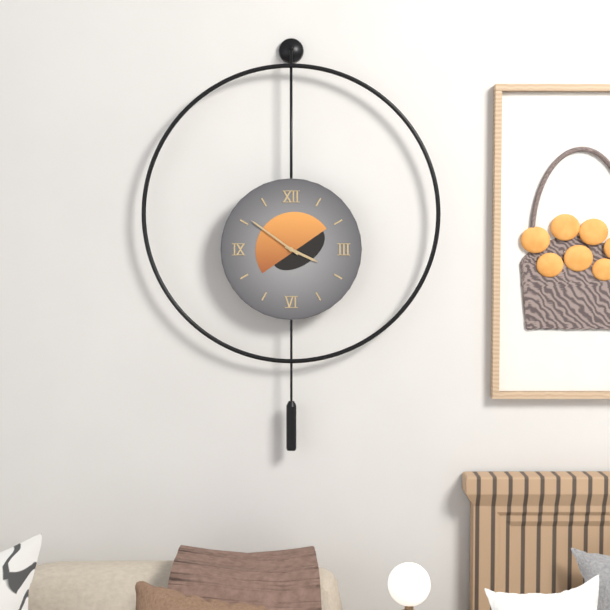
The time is **3:51**
